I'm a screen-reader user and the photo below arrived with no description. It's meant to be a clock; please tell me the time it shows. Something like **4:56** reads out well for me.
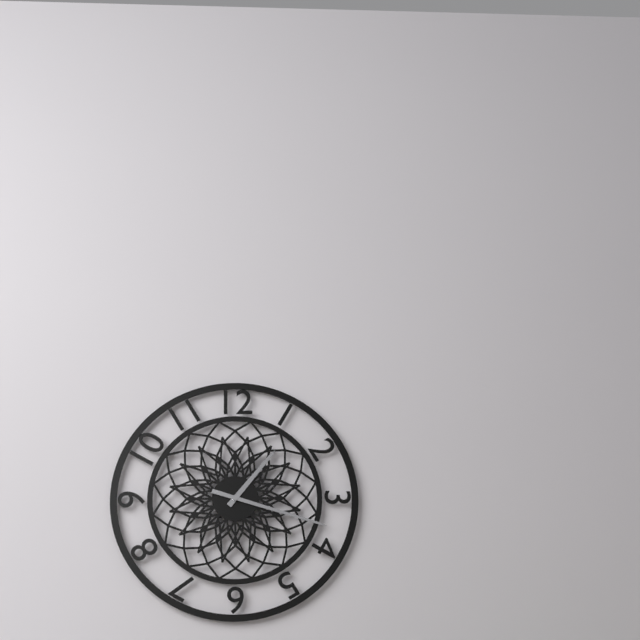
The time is **1:18**
